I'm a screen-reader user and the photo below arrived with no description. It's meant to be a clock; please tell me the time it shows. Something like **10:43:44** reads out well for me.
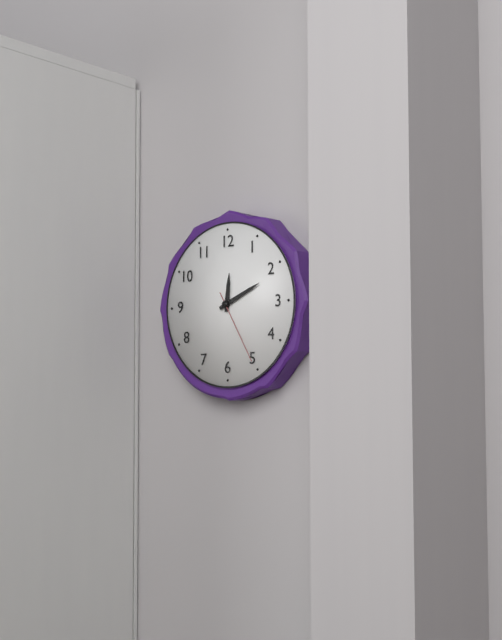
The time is **12:11:25**
